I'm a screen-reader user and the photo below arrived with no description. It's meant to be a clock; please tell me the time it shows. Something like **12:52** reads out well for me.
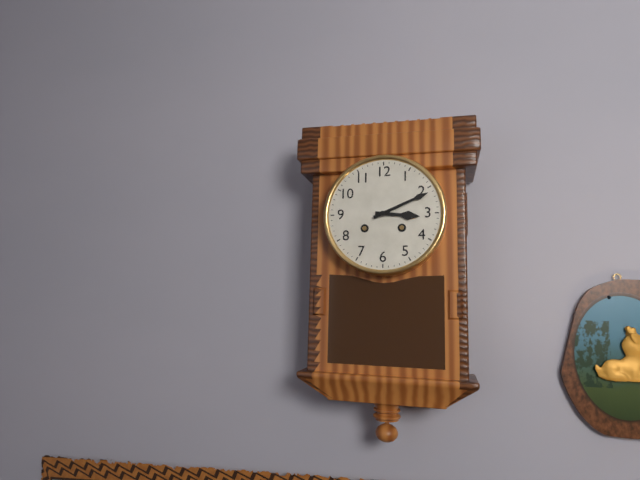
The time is **3:11**
